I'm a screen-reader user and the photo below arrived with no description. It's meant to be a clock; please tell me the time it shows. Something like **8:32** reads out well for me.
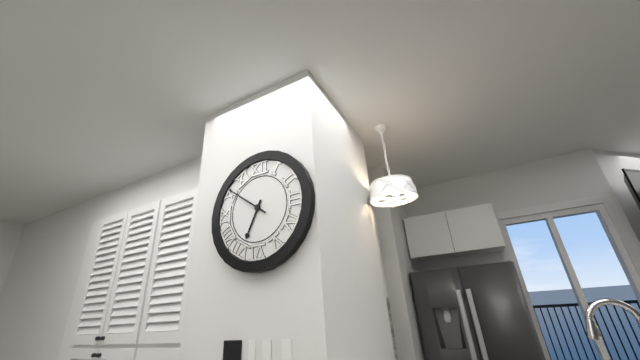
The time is **6:51**
